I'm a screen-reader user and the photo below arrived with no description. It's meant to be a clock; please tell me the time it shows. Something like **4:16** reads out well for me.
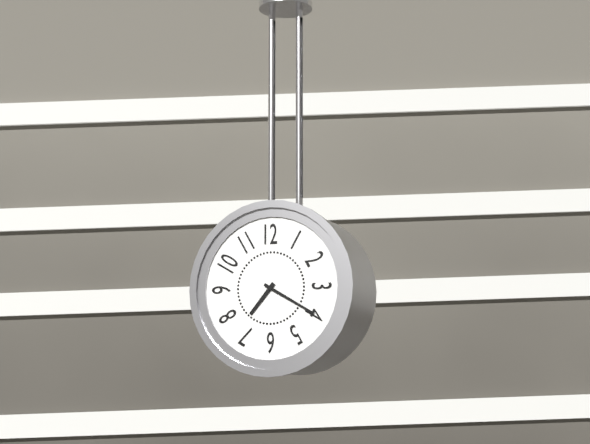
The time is **7:20**
